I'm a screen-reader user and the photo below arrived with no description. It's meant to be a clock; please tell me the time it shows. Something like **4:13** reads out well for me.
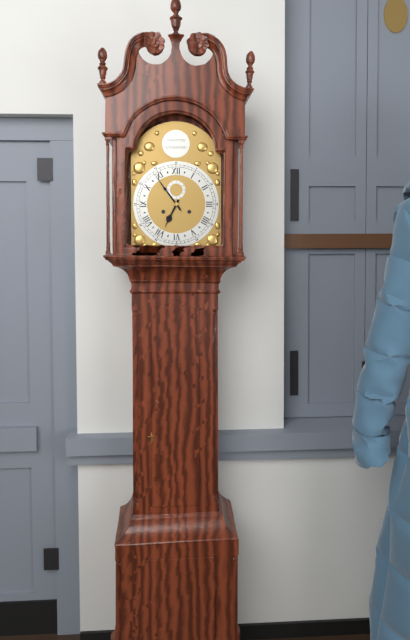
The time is **6:54**
